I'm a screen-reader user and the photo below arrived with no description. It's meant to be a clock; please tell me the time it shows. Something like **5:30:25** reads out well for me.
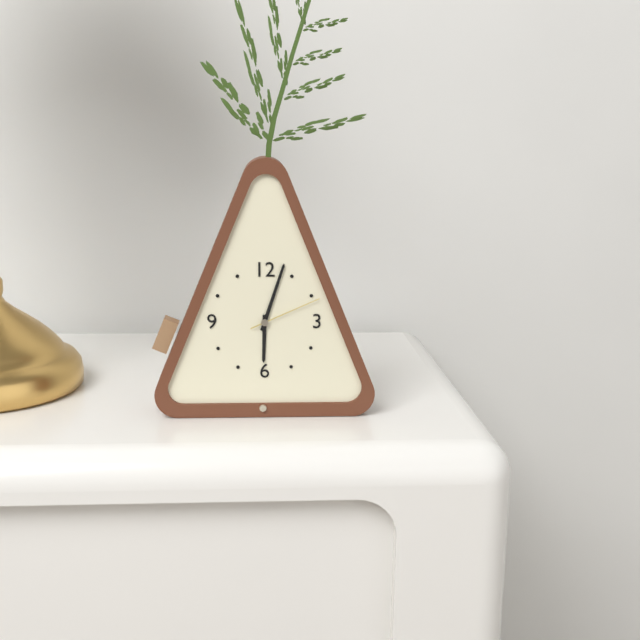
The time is **6:03:11**
